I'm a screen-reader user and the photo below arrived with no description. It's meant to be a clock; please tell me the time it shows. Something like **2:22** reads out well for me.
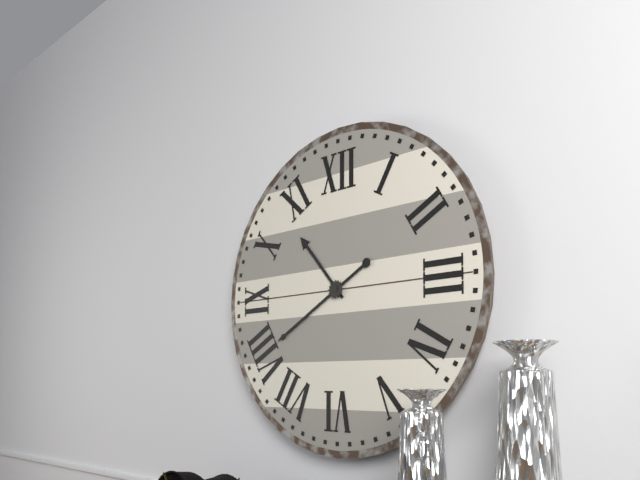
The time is **10:40**
